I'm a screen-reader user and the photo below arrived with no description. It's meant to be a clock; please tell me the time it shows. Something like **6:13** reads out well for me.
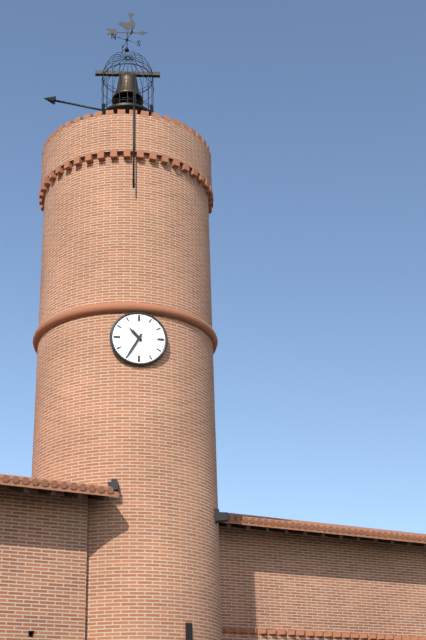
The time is **10:35**
